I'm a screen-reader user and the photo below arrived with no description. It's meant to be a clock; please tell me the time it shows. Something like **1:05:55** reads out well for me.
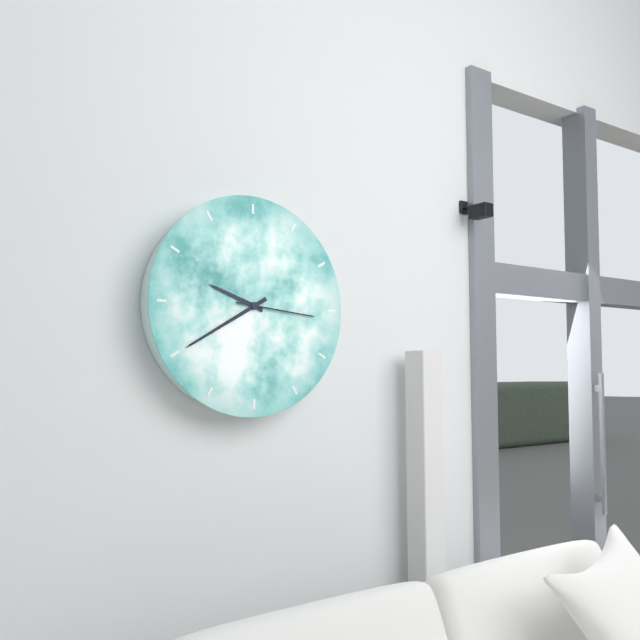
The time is **9:40:16**
